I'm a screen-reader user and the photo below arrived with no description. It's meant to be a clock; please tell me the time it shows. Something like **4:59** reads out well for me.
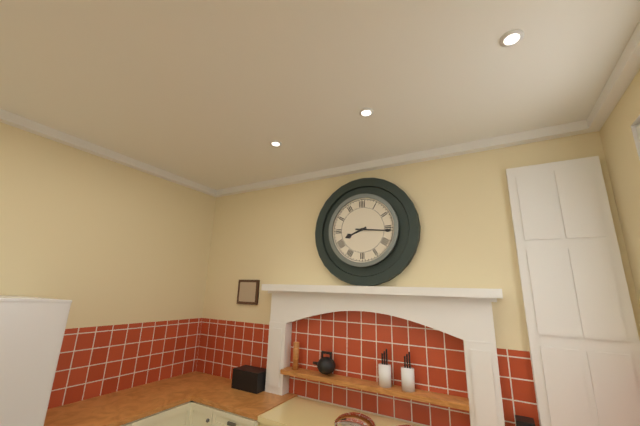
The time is **8:16**
